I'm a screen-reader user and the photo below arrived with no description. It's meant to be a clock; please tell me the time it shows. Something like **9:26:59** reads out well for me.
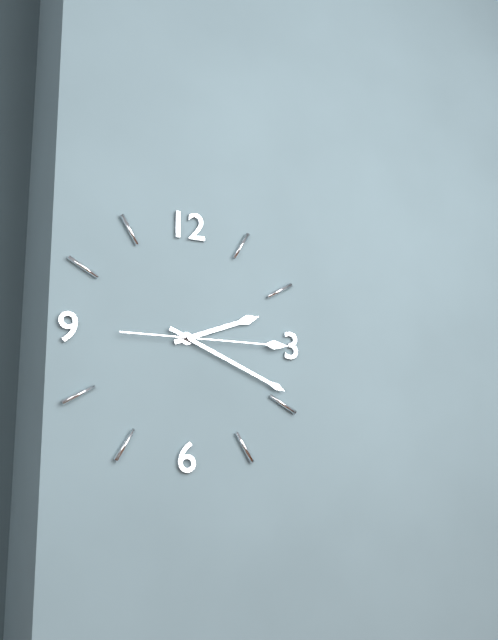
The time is **2:19:15**
